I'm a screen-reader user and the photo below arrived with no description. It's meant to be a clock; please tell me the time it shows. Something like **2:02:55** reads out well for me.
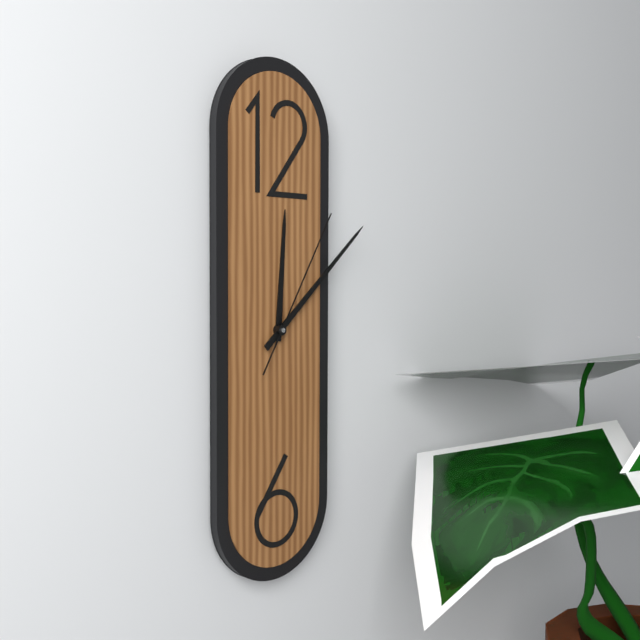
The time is **12:08:05**
